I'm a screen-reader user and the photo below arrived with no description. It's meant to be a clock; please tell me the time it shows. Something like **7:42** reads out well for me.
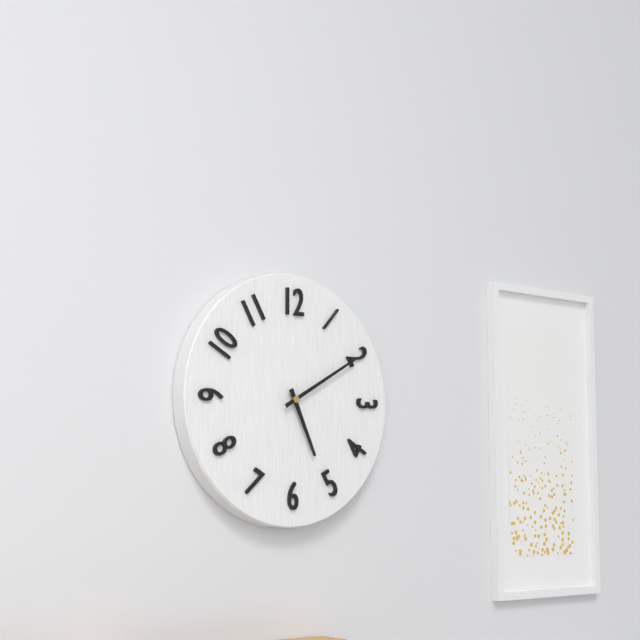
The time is **5:10**
